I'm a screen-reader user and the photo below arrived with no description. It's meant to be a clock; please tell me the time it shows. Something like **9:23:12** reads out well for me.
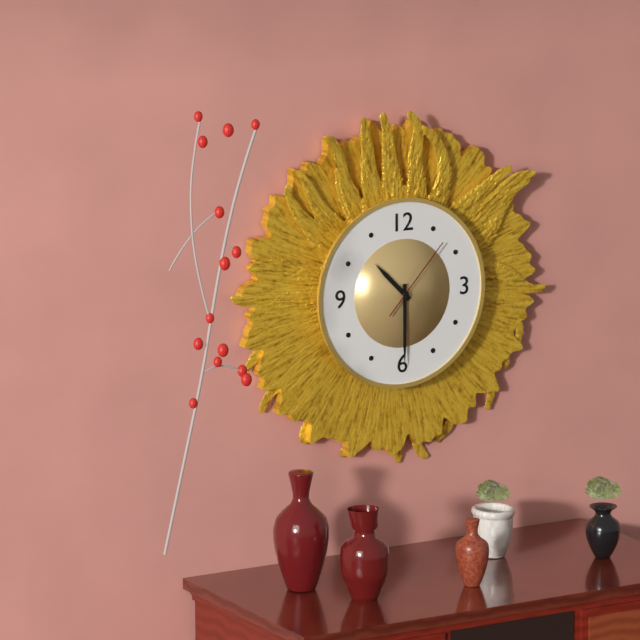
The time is **10:30:07**
